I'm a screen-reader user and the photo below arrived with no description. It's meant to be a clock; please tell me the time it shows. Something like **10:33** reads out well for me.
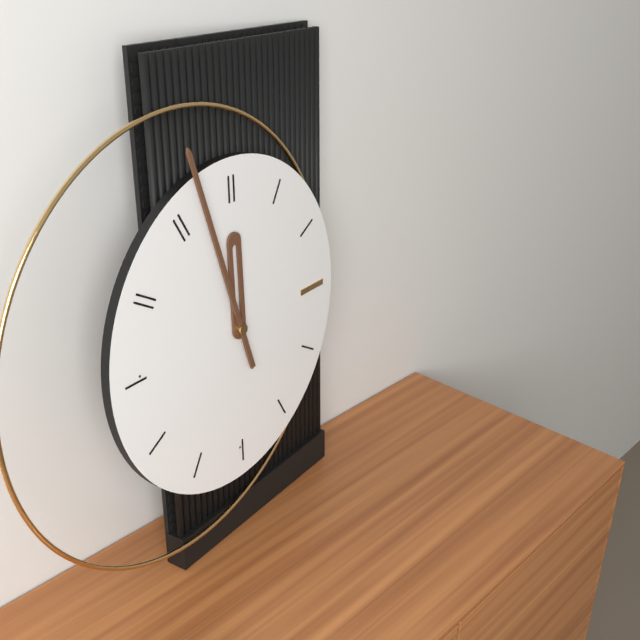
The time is **11:57**
